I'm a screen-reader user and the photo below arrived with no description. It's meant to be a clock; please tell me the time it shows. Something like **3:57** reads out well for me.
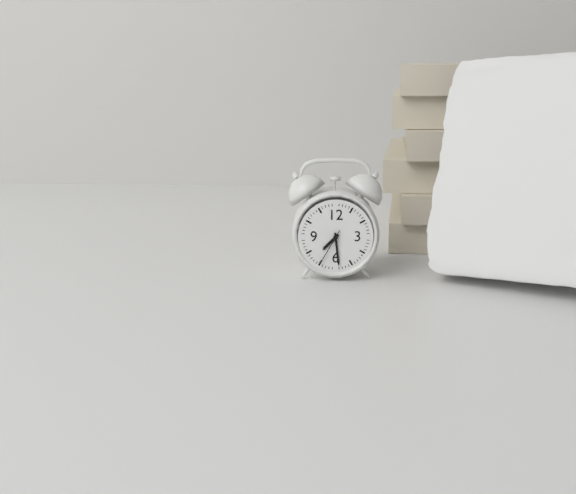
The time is **7:29**
